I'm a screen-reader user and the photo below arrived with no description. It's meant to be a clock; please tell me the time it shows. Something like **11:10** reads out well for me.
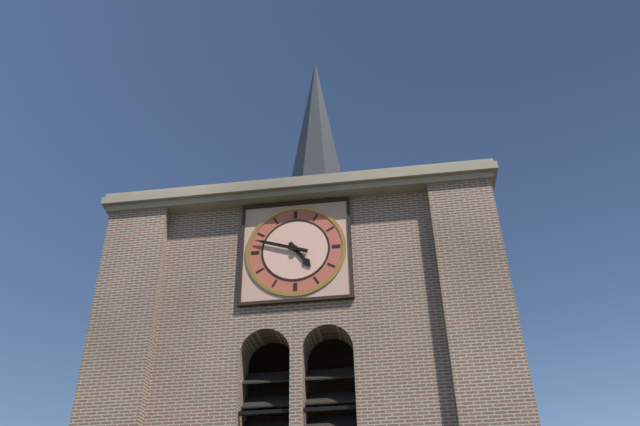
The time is **4:48**
